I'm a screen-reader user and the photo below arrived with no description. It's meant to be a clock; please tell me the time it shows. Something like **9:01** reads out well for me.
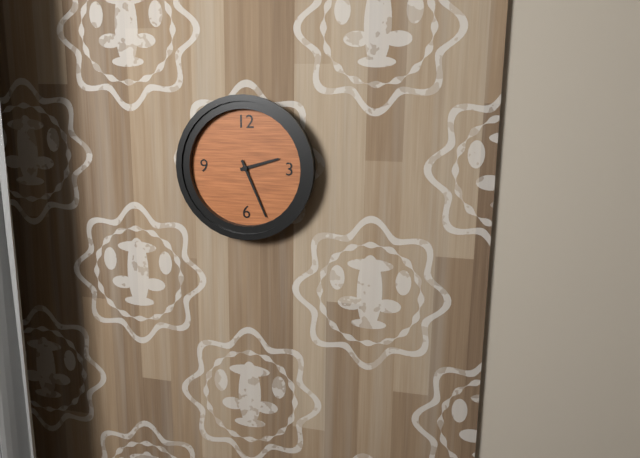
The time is **2:26**
